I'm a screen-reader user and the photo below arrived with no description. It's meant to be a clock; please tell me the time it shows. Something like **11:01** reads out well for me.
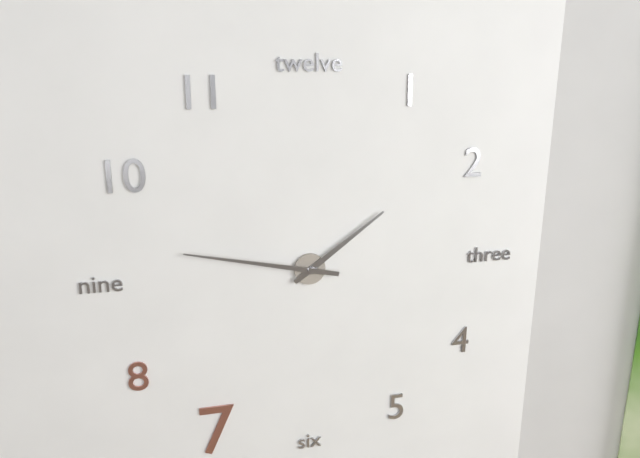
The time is **1:47**
